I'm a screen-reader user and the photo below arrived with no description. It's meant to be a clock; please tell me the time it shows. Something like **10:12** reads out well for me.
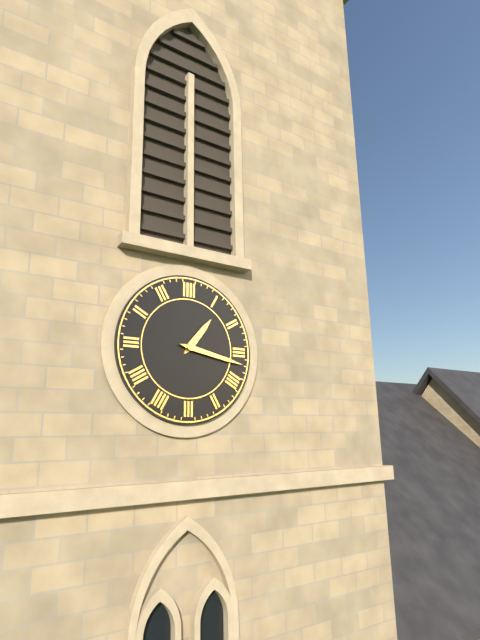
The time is **1:17**
